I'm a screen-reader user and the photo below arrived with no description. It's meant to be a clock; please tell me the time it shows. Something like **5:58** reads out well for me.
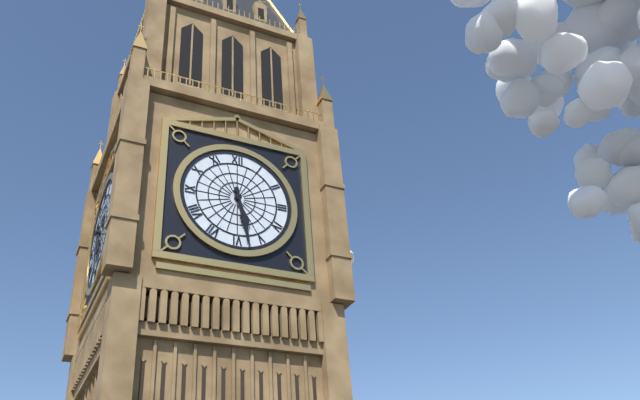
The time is **5:28**
